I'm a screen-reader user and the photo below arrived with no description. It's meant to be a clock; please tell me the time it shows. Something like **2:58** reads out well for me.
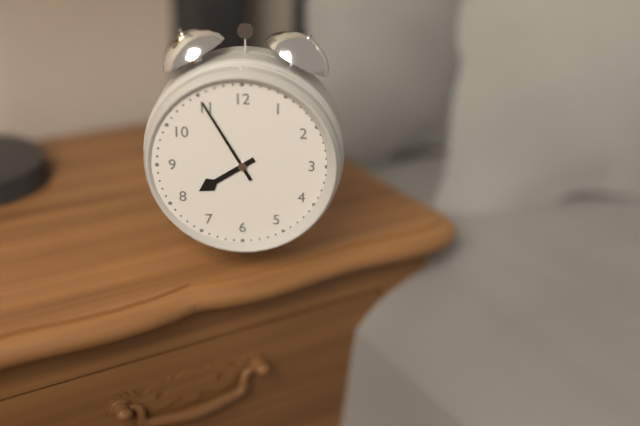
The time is **7:55**
